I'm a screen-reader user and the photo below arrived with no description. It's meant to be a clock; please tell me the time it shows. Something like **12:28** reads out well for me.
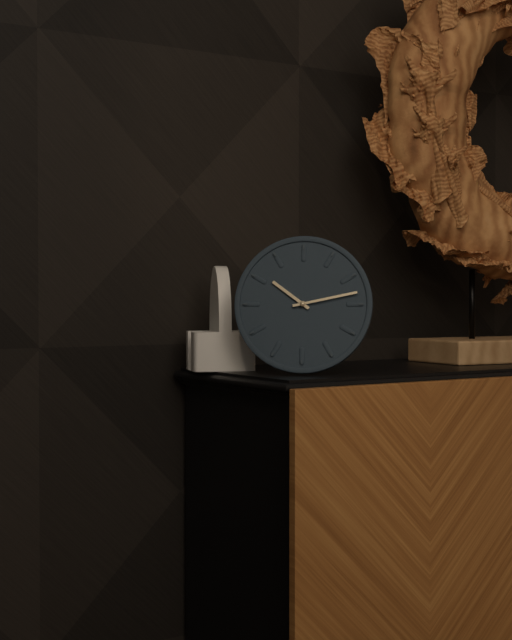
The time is **10:13**
